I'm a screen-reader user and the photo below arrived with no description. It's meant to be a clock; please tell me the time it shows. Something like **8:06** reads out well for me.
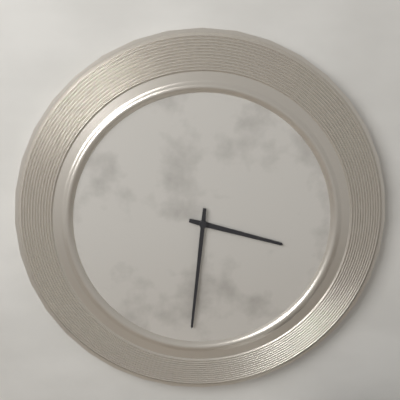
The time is **3:31**
